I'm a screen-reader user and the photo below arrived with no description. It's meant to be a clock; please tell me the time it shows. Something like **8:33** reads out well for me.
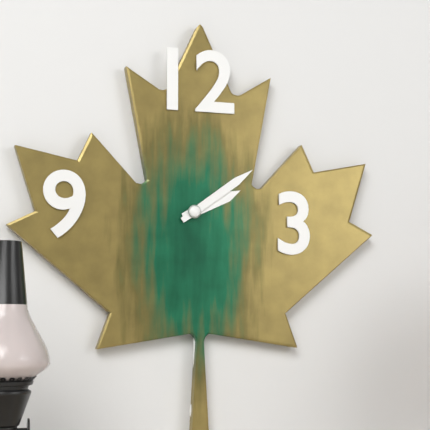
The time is **2:09**
